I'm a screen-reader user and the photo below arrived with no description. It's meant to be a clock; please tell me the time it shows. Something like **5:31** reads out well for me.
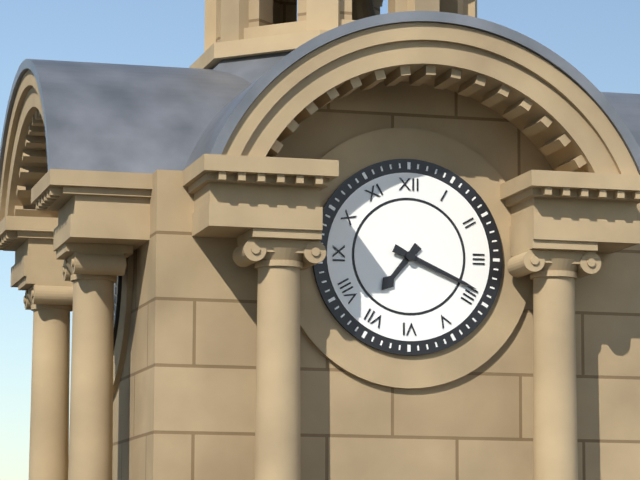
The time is **7:19**
